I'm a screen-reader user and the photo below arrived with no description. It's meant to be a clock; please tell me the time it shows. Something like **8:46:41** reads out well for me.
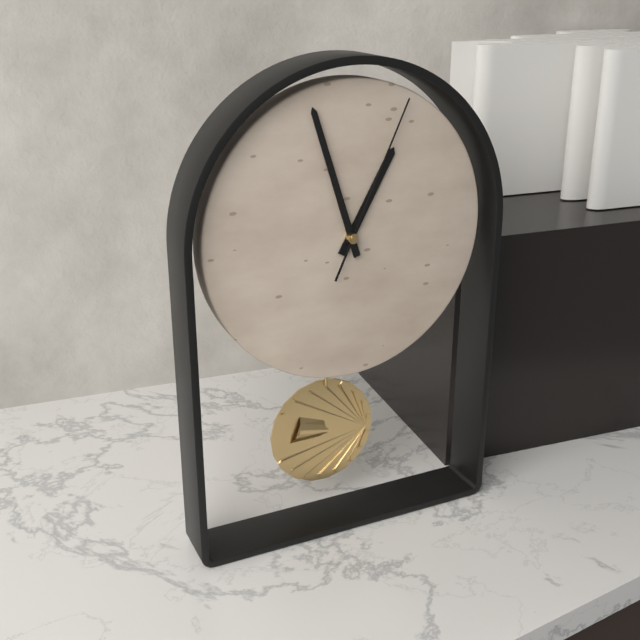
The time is **12:57:04**
